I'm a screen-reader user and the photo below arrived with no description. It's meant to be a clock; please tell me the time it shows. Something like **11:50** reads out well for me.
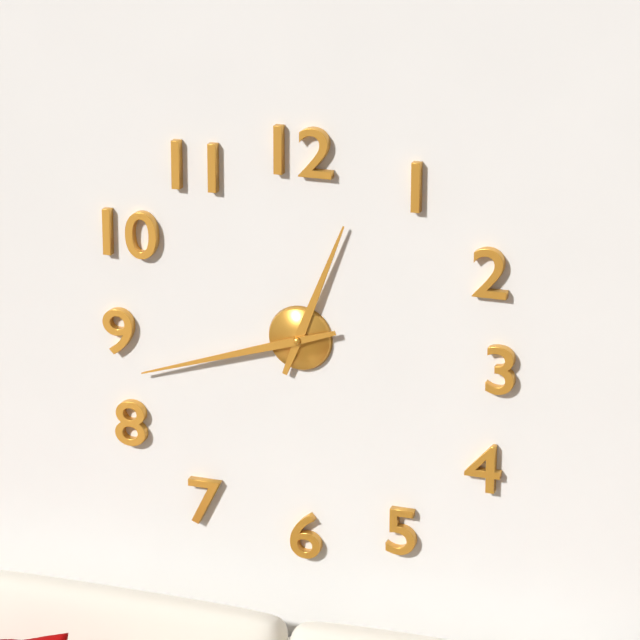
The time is **12:42**
